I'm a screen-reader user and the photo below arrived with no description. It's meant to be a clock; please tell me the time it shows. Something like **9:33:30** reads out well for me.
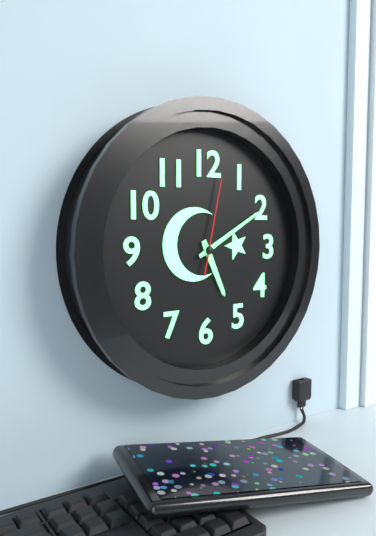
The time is **5:10:02**
